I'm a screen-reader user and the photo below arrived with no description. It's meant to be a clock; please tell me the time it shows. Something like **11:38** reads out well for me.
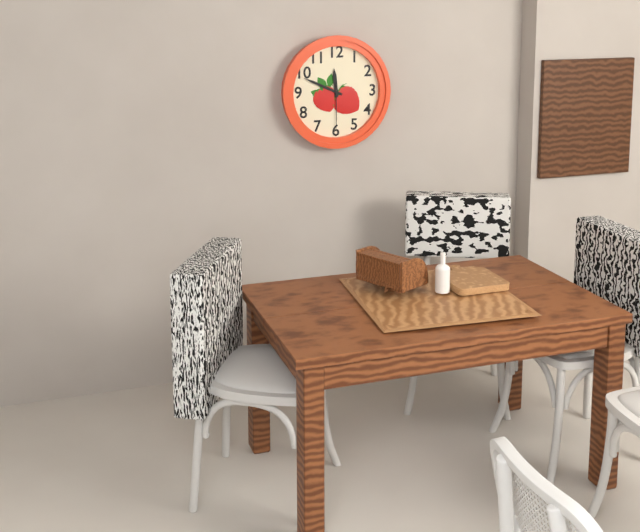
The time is **11:49**
